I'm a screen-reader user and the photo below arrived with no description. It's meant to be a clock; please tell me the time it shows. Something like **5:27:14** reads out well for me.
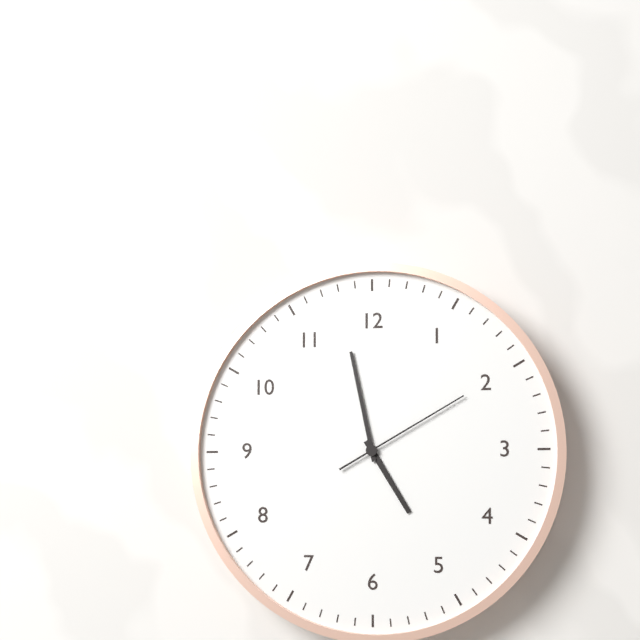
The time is **4:58:10**
